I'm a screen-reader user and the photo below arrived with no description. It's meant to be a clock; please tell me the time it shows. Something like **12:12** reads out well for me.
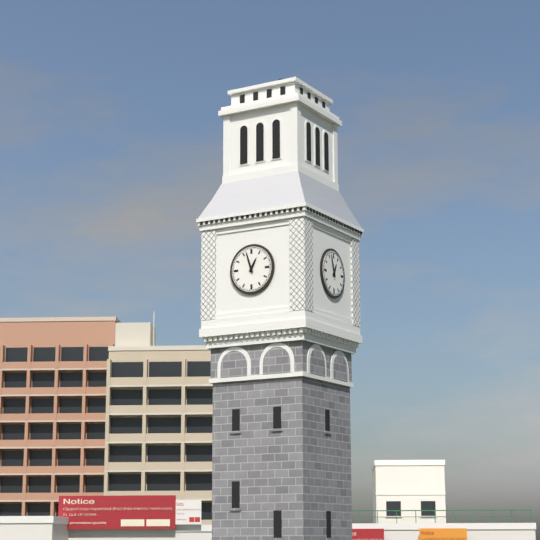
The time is **12:57**
